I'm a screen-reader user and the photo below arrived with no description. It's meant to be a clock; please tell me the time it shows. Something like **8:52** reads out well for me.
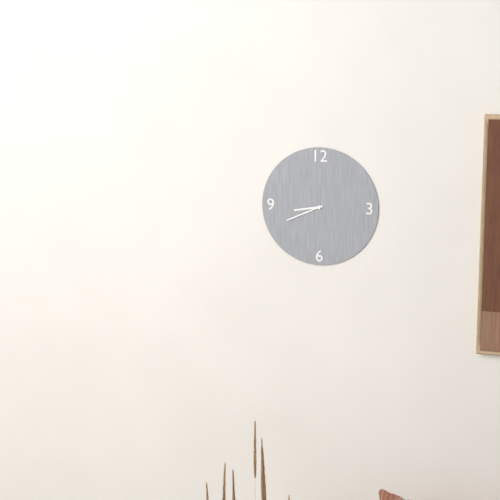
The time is **8:41**
